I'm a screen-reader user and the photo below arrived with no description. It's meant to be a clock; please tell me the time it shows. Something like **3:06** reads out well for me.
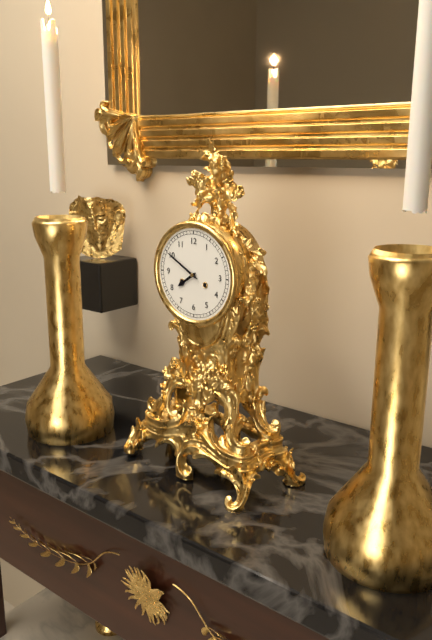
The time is **7:50**
